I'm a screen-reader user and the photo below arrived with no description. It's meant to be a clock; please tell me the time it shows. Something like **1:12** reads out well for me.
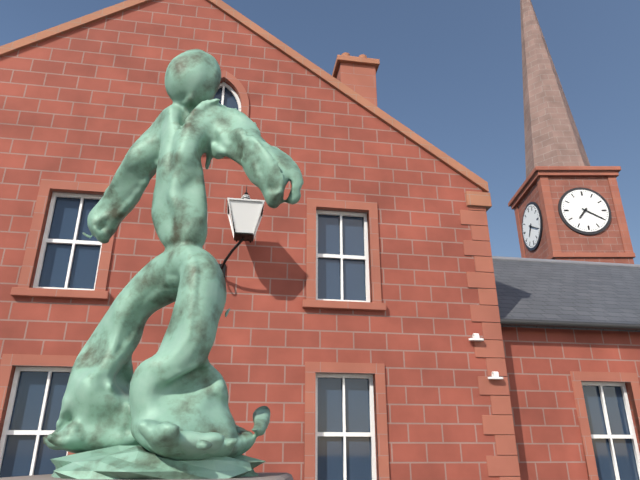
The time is **7:20**
